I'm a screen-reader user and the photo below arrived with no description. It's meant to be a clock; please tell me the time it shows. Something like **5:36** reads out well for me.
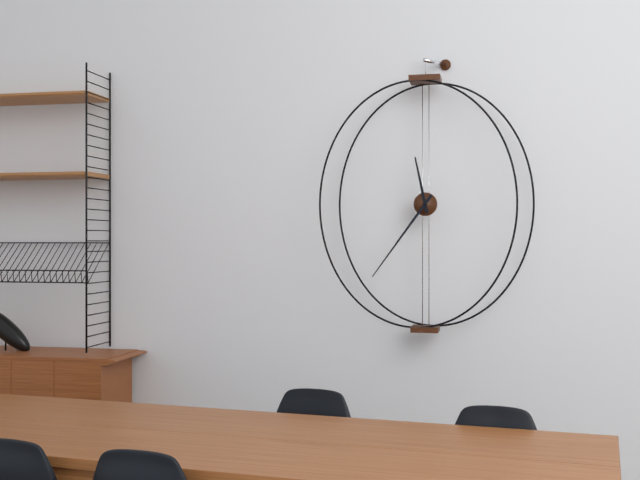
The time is **11:36**
